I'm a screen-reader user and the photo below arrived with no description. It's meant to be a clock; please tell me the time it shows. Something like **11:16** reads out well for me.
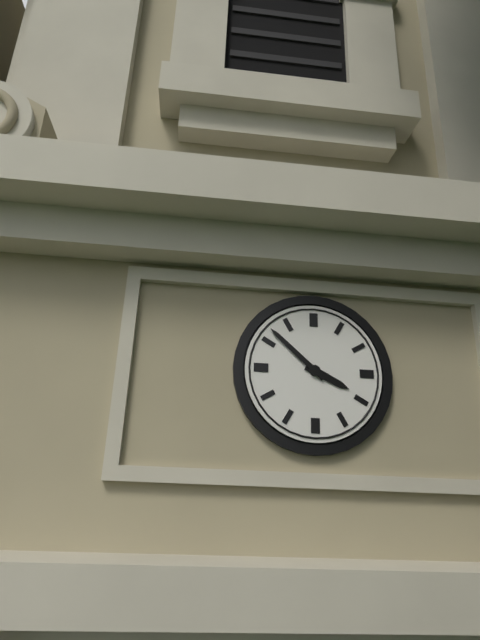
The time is **3:52**
